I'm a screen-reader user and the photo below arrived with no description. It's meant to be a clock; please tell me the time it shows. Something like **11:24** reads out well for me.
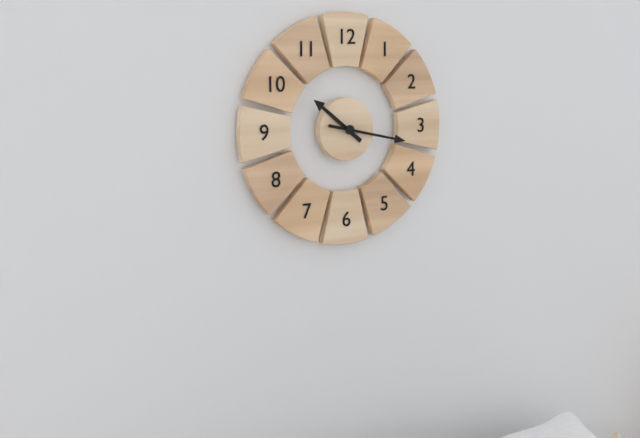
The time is **10:17**
